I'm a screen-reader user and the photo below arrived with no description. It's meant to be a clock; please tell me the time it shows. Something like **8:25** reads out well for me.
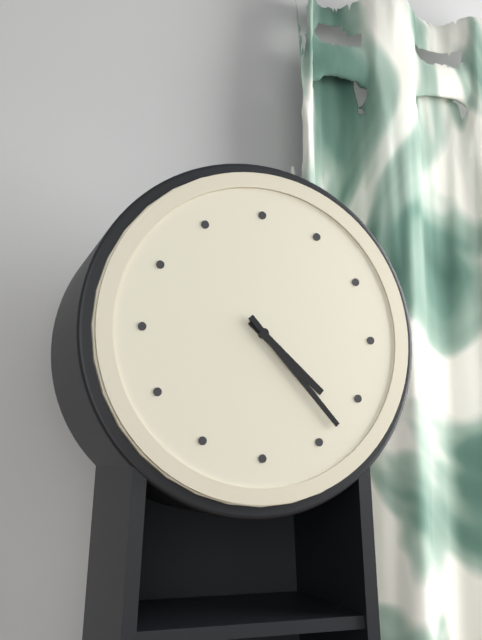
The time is **4:23**
